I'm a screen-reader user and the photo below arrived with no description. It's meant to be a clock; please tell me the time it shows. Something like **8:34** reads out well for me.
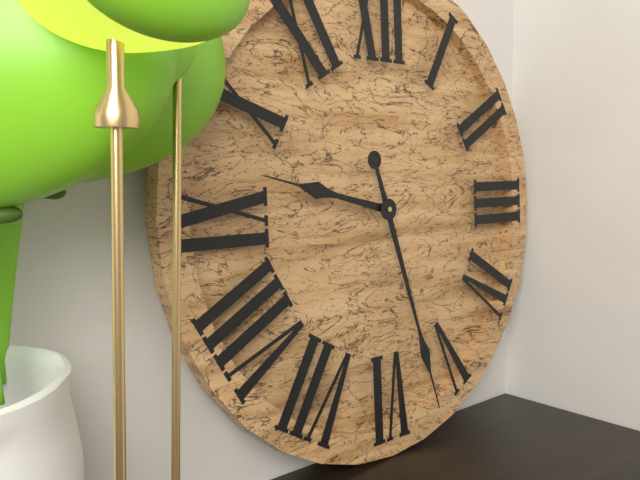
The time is **9:27**
